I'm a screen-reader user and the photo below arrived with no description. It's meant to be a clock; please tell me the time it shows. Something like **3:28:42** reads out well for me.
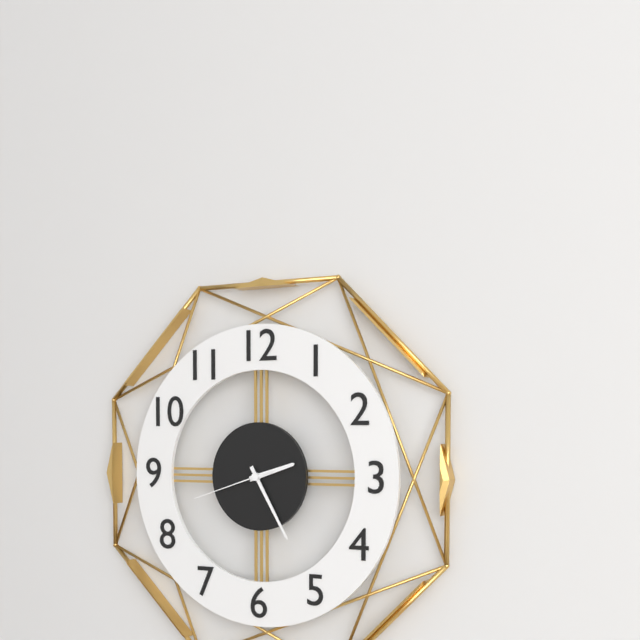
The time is **2:25:42**
